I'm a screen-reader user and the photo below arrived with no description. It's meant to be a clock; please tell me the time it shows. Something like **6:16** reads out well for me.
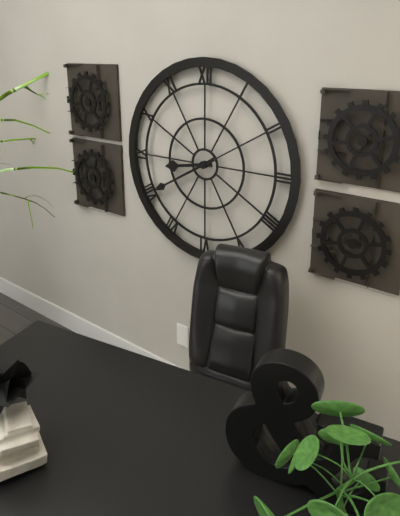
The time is **8:40**
